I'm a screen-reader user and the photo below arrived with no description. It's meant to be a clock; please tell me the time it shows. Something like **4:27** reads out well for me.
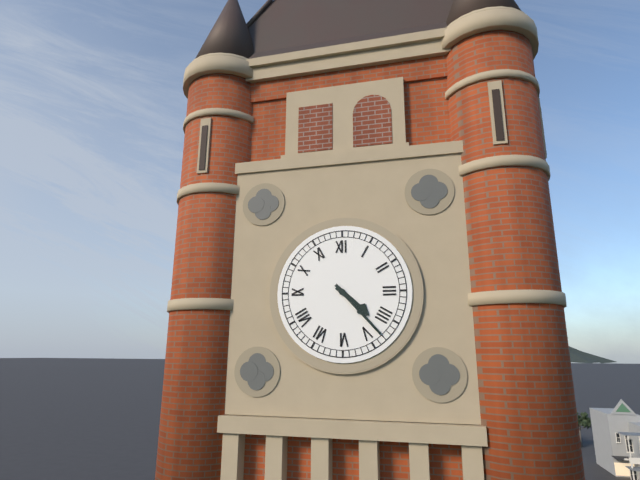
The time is **4:23**
